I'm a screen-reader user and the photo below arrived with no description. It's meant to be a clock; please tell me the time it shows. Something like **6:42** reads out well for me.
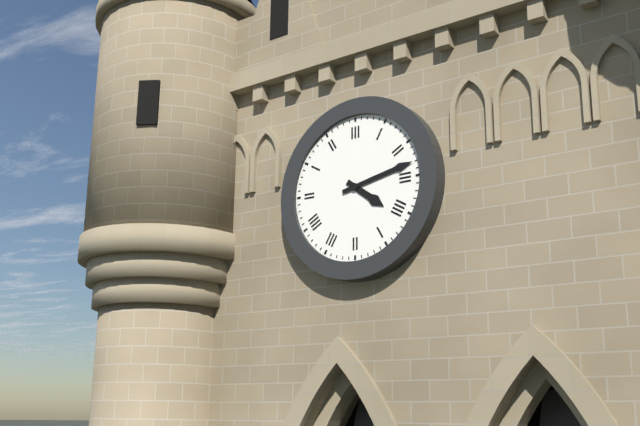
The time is **4:13**
